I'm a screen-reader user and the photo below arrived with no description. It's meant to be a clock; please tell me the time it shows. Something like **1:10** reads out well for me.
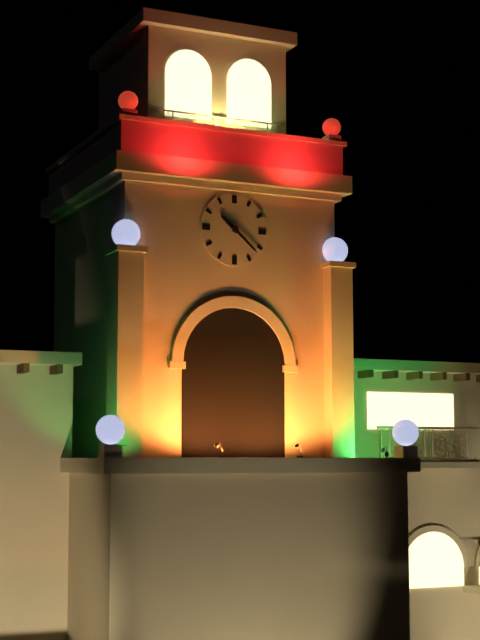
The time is **10:22**
